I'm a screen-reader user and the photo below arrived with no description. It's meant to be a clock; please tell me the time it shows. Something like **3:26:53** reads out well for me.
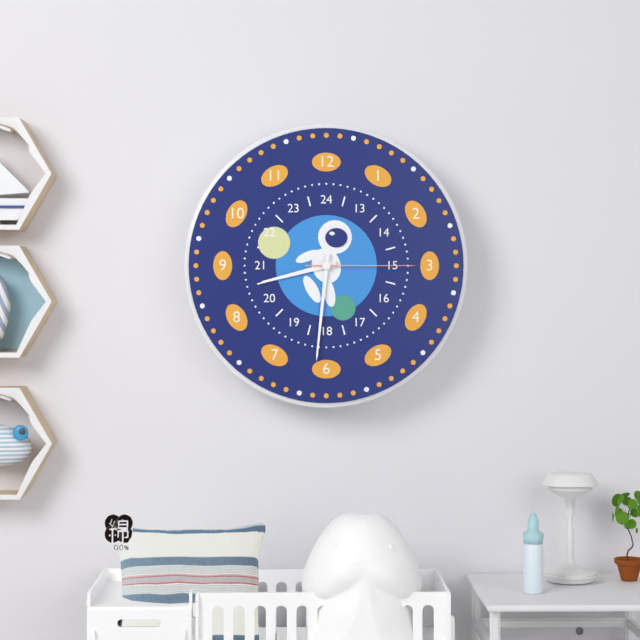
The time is **8:31:15**
